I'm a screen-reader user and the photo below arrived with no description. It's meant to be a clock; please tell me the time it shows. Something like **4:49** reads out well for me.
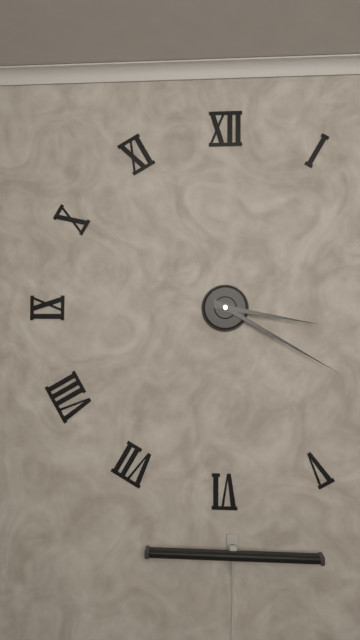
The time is **3:20**
